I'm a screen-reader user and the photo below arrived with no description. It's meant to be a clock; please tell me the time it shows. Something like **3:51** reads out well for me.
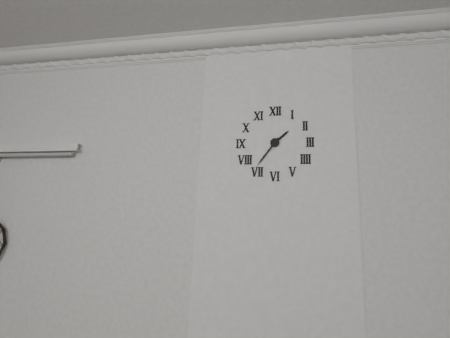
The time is **1:36**
